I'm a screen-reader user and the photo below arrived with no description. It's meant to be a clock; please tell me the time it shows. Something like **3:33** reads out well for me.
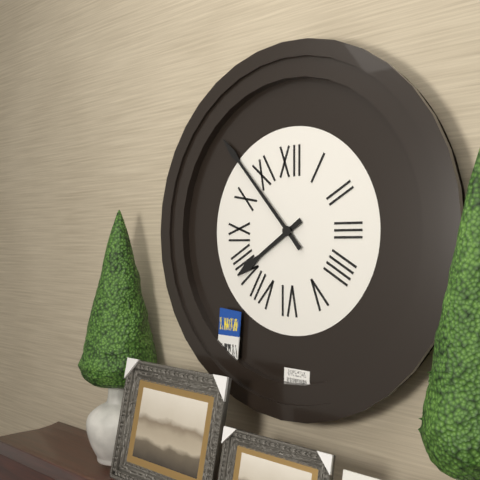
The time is **7:53**
